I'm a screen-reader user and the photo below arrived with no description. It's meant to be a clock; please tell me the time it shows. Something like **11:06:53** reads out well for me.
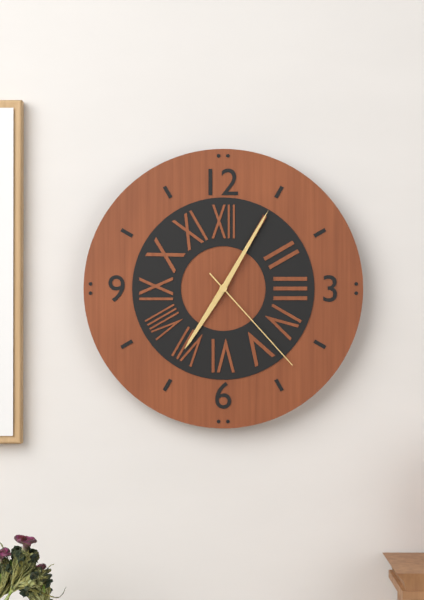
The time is **7:05:23**
